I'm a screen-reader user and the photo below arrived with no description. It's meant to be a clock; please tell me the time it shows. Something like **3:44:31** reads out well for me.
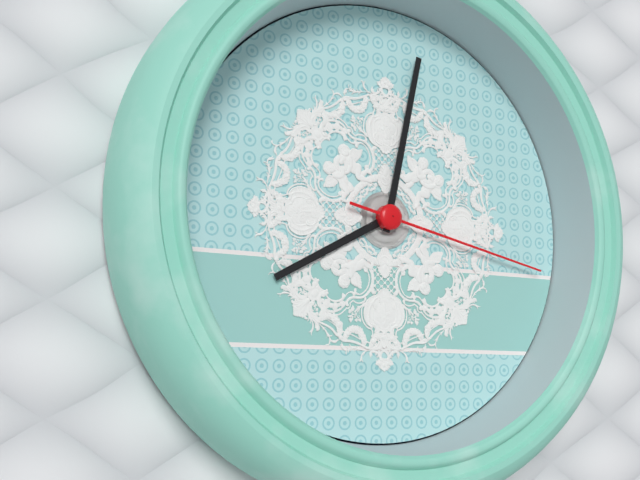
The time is **8:02:17**
